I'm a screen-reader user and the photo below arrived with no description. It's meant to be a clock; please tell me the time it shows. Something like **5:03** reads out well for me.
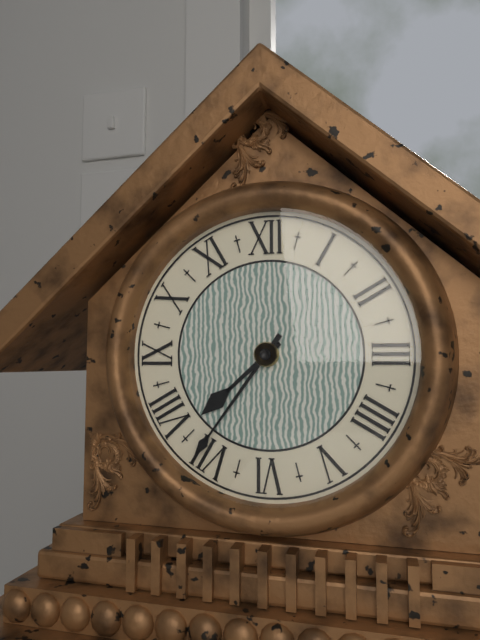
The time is **7:36**
